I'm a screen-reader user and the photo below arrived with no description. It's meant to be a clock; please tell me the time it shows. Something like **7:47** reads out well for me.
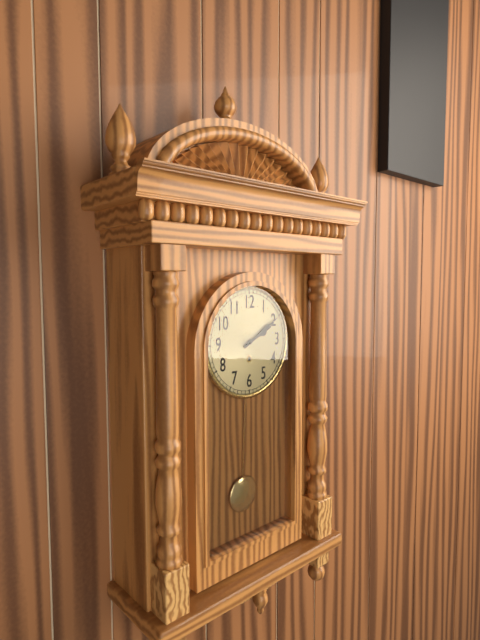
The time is **2:10**
